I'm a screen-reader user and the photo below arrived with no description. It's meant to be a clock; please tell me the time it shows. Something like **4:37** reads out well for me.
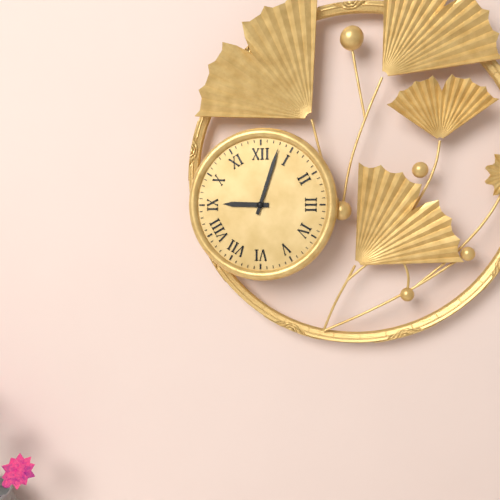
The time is **9:03**
